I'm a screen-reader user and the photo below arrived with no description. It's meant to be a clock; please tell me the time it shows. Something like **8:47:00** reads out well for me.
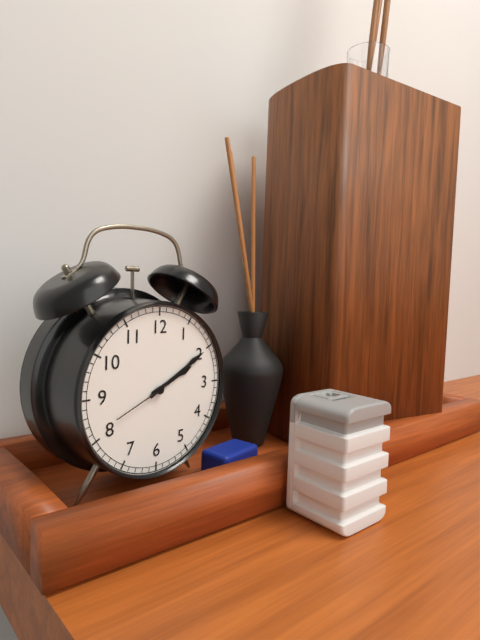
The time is **2:10:41**
